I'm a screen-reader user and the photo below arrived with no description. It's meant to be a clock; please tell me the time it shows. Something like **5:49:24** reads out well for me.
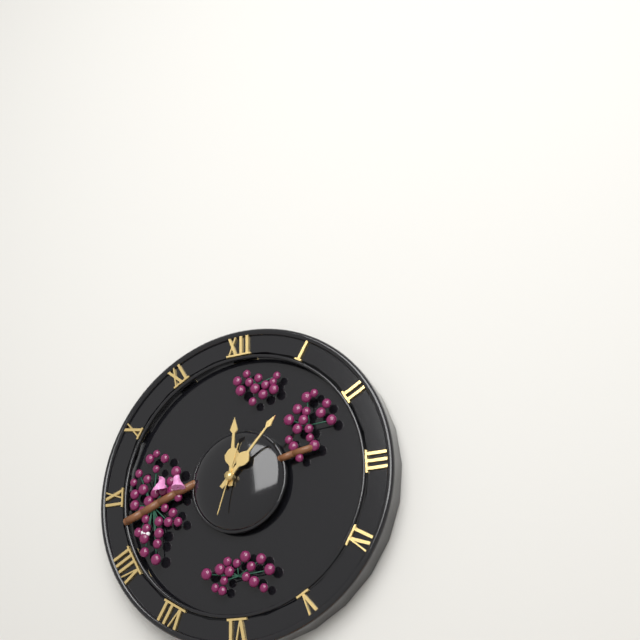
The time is **12:07:33**
